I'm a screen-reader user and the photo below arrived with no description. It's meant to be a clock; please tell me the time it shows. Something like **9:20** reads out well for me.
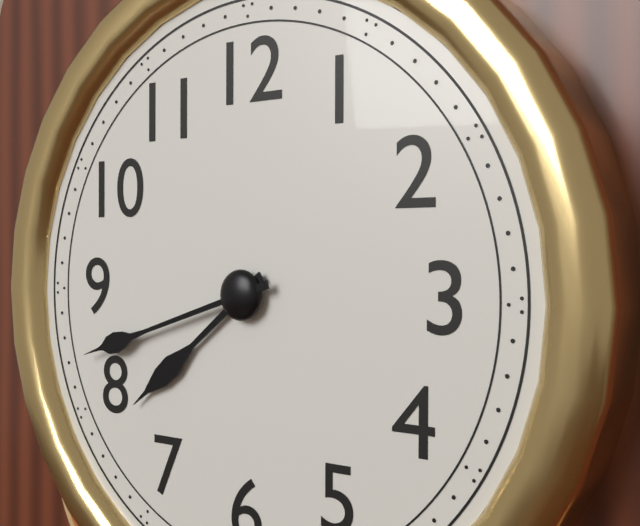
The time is **7:42**
